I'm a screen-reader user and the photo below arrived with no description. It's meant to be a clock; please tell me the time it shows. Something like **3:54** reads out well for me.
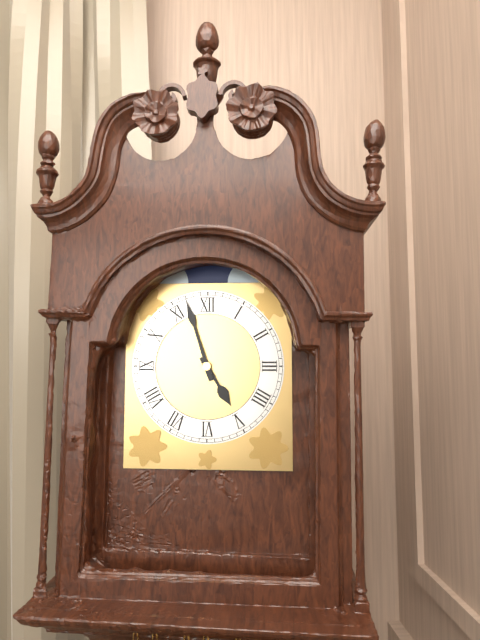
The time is **4:57**
